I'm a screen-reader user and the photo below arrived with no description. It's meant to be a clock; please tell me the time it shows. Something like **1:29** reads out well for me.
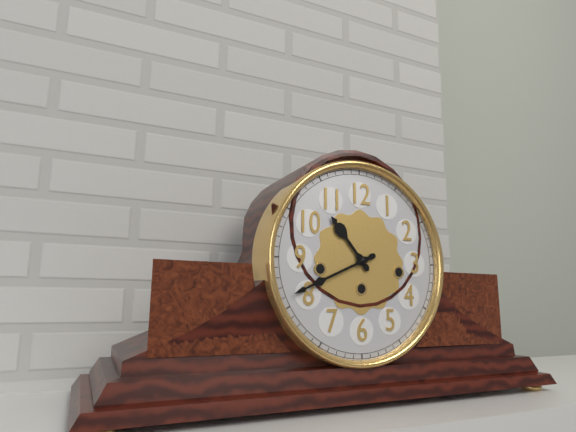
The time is **10:41**
